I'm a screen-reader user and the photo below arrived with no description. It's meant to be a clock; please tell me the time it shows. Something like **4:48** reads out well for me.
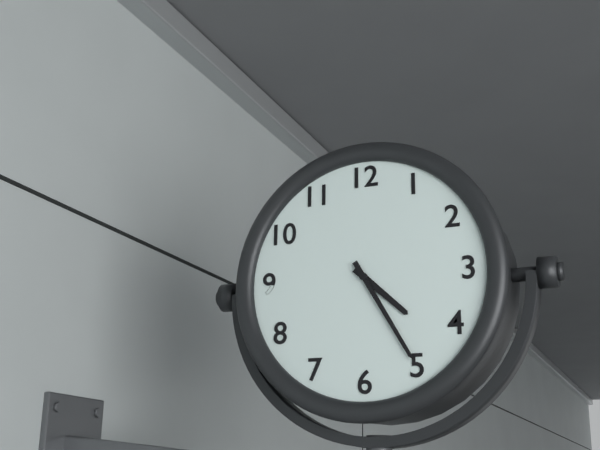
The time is **4:25**
